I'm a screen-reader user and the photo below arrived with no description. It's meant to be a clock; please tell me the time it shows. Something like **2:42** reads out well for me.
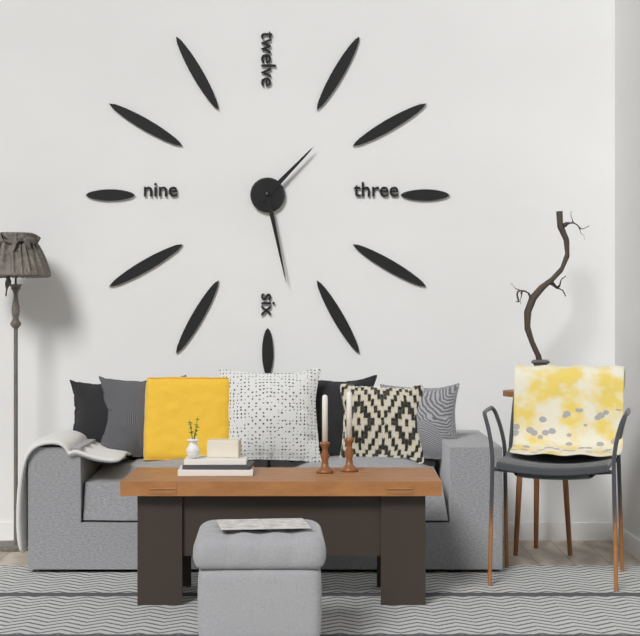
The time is **1:28**
